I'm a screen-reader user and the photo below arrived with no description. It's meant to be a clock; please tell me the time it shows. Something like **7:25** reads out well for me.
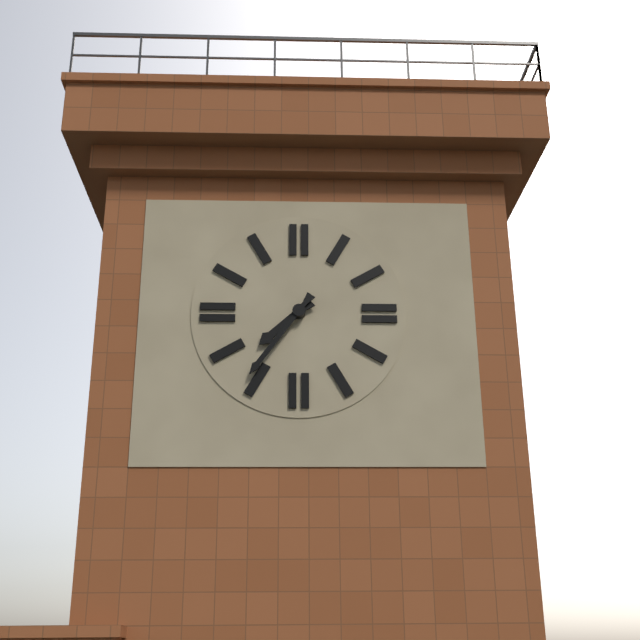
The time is **7:36**
